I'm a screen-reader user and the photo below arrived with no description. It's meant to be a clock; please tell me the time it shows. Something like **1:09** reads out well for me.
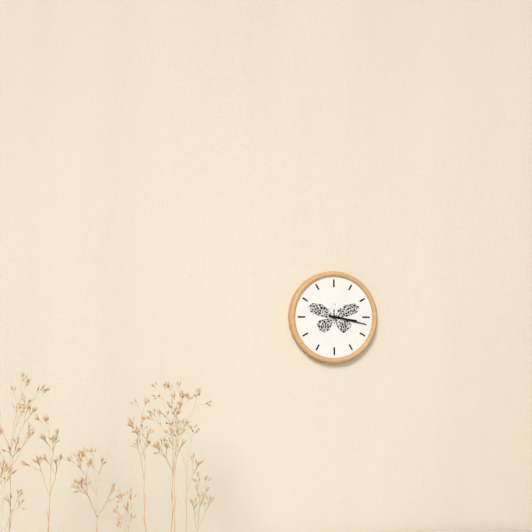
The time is **3:17**
